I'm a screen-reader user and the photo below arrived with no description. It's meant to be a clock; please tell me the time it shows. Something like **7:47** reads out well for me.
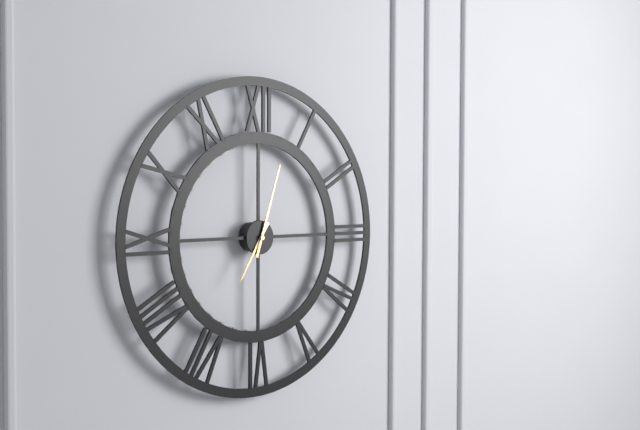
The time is **7:03**
